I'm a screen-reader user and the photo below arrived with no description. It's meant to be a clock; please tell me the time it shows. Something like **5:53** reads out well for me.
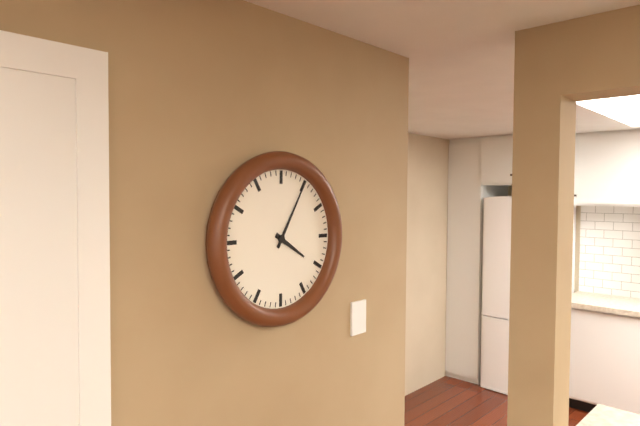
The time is **4:05**
